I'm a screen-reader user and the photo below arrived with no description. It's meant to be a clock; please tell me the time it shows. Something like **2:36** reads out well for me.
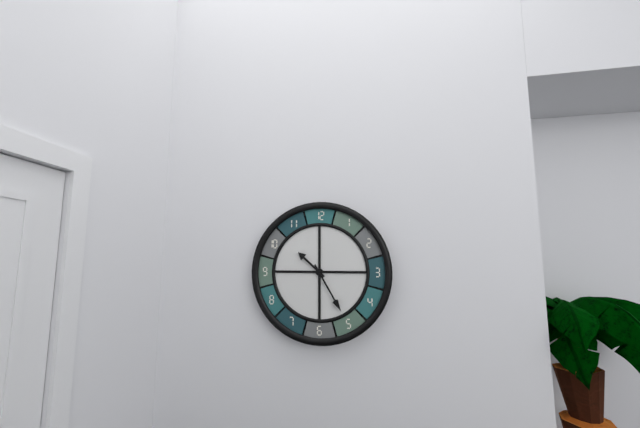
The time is **10:25**
